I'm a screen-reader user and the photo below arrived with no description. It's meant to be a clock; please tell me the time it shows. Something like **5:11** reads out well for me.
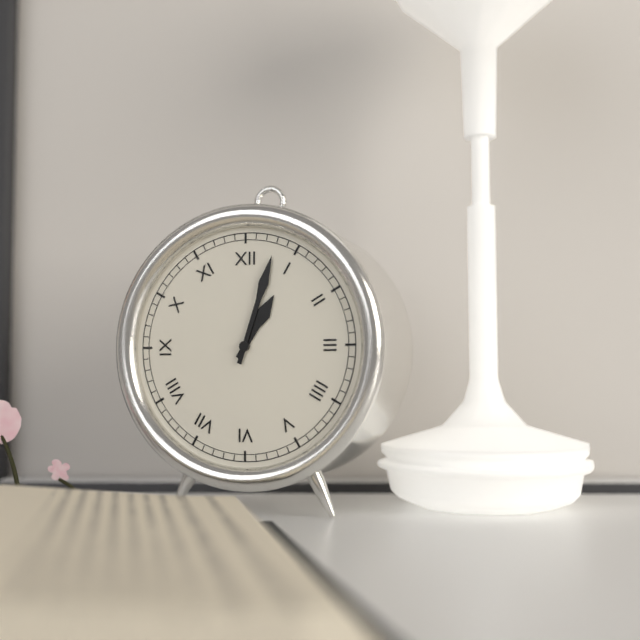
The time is **1:03**
